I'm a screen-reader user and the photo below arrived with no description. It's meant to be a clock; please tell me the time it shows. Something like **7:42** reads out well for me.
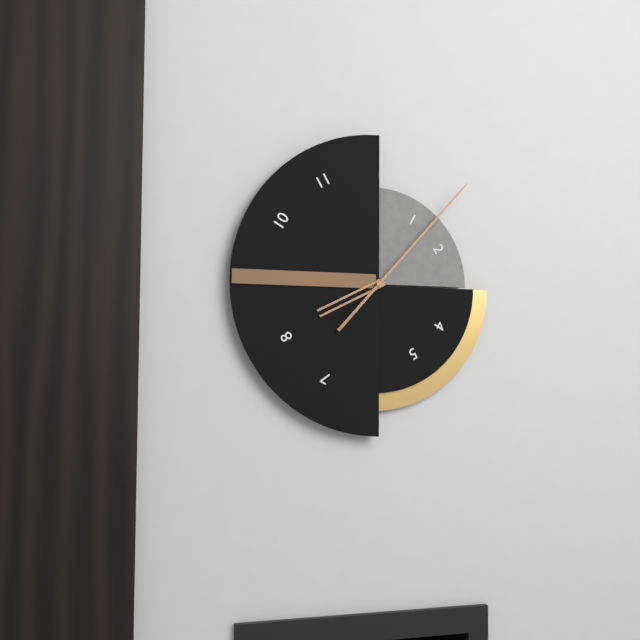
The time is **8:07**
